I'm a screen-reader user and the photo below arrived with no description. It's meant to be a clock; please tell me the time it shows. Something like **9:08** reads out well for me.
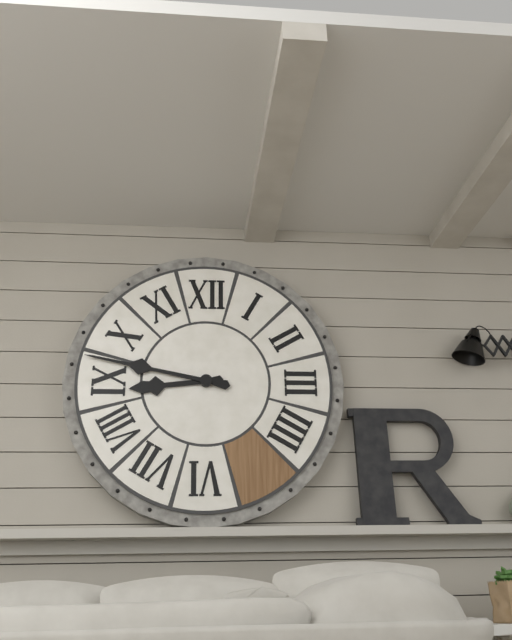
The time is **8:47**
